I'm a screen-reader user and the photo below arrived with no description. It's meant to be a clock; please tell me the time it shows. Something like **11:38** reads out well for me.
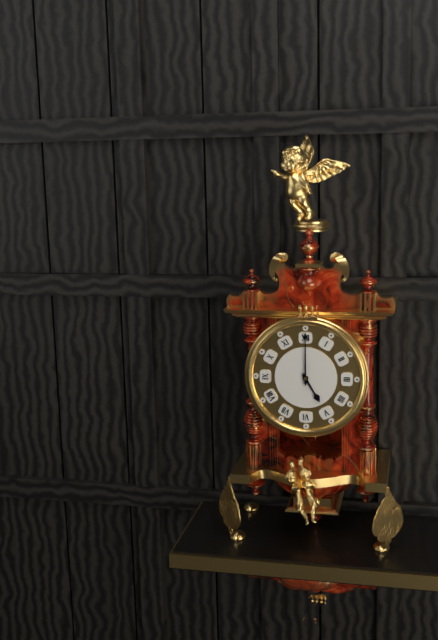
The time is **5:00**
